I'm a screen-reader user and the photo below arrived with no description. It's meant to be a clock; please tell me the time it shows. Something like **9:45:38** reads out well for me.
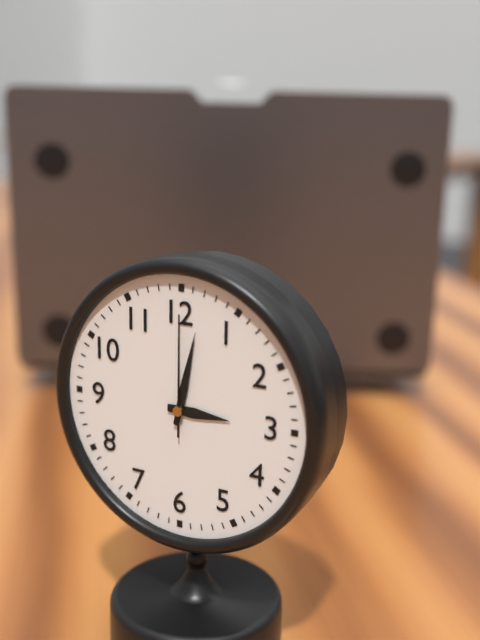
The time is **3:02:00**
